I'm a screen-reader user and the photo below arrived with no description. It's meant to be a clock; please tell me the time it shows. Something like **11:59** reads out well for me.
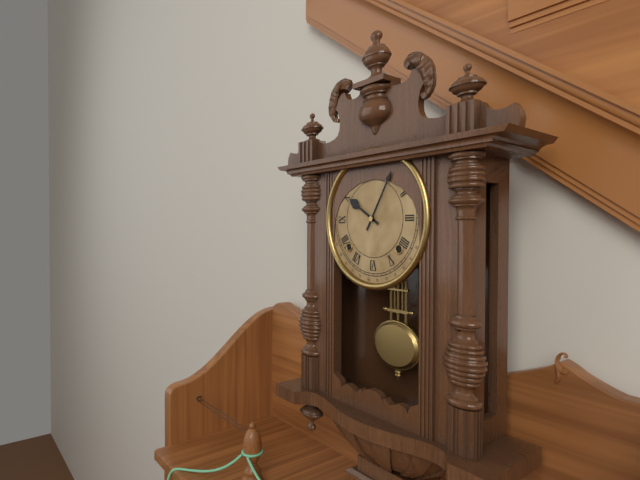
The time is **10:05**
